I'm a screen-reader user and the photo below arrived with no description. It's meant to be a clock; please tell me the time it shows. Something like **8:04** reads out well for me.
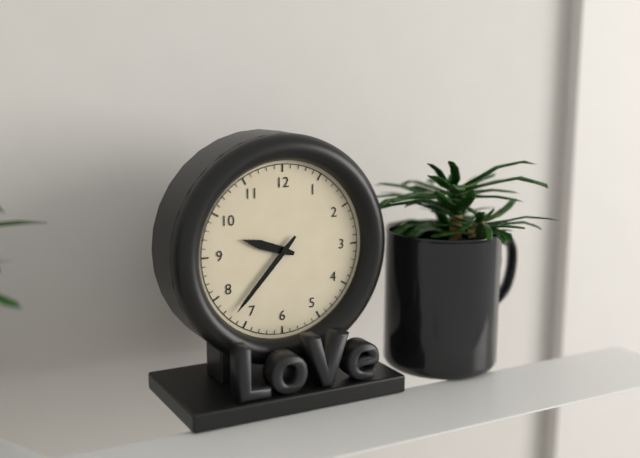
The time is **9:37**
